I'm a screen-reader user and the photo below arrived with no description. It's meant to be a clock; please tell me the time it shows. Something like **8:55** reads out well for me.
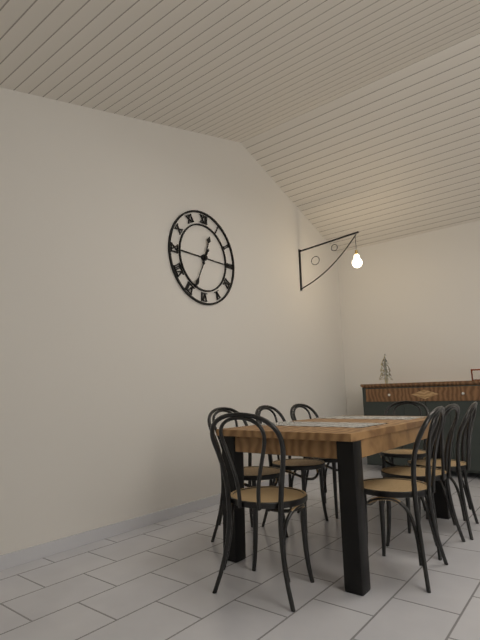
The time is **12:34**
